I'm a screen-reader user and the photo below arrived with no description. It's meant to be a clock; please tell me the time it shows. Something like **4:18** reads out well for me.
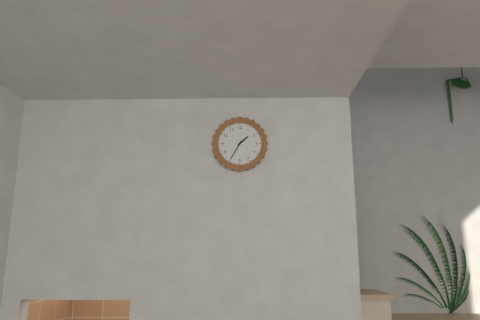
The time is **1:35**
